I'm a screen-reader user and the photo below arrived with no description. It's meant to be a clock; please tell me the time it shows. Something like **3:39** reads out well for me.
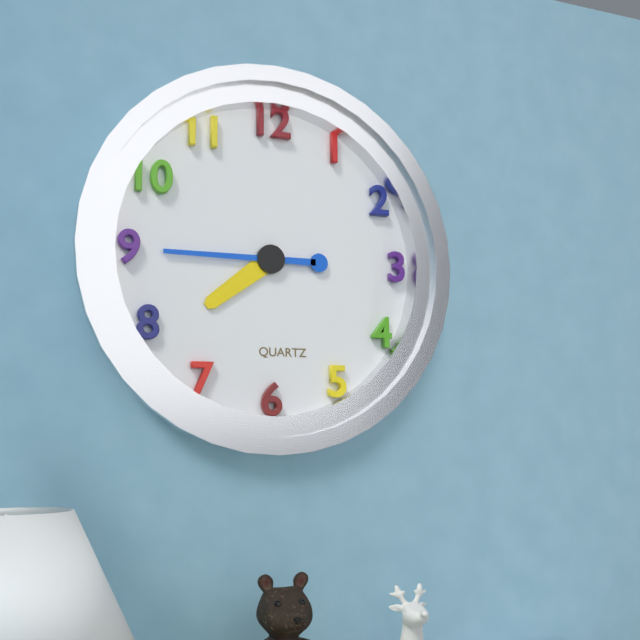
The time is **7:45**
